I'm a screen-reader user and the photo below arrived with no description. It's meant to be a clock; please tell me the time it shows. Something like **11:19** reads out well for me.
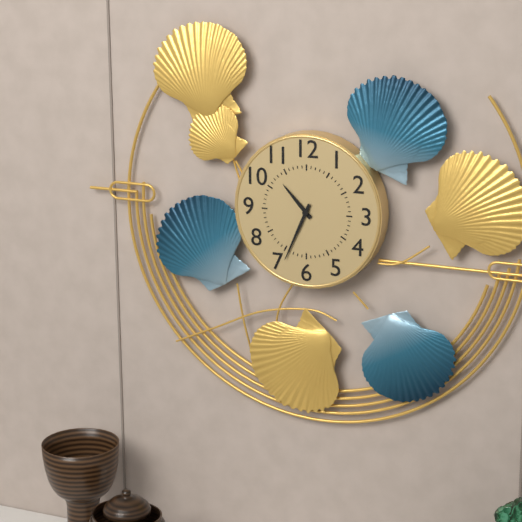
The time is **10:34**
